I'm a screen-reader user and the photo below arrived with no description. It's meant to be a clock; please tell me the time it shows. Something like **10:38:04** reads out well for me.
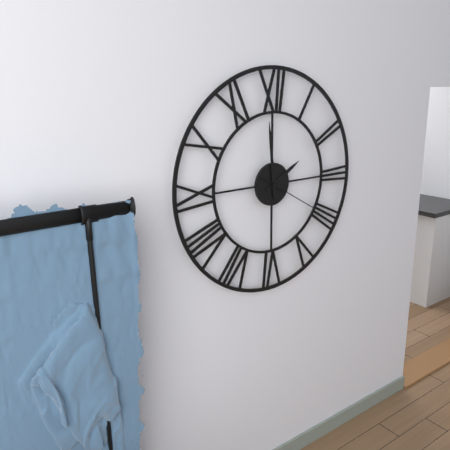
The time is **1:59:20**
